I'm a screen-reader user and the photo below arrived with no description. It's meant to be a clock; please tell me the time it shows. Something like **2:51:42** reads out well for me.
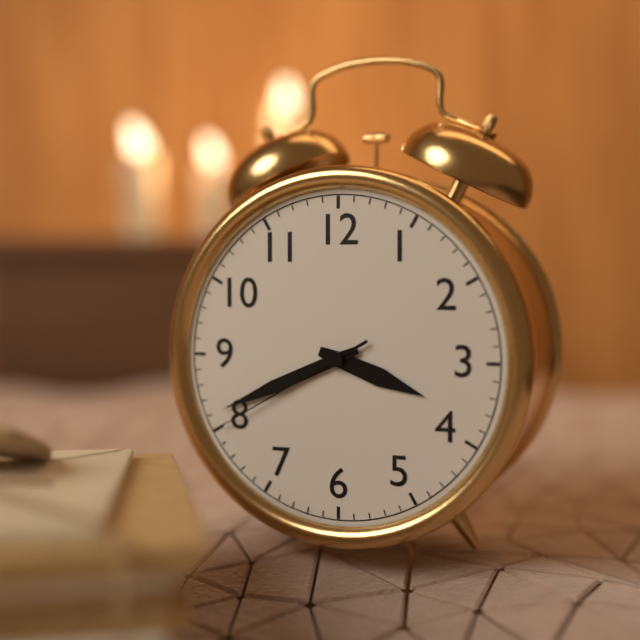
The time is **3:41:40**
